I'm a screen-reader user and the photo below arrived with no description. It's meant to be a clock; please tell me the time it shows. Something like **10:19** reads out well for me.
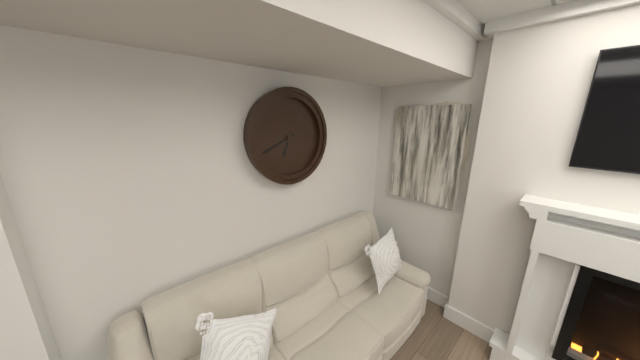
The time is **6:41**
